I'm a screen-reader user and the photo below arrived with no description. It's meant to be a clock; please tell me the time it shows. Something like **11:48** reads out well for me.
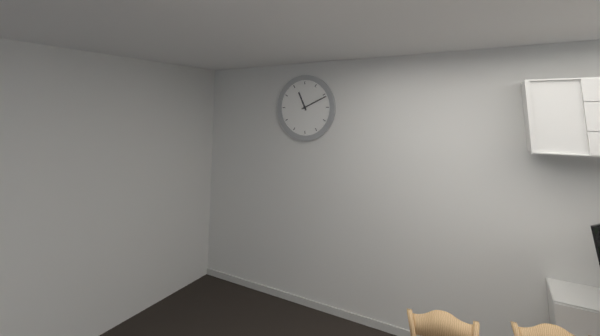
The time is **11:11**
